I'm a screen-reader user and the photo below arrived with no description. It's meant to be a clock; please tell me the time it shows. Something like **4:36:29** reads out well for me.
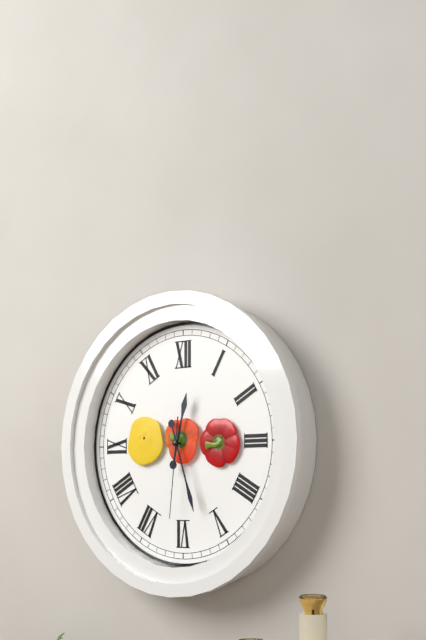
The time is **12:27:31**
